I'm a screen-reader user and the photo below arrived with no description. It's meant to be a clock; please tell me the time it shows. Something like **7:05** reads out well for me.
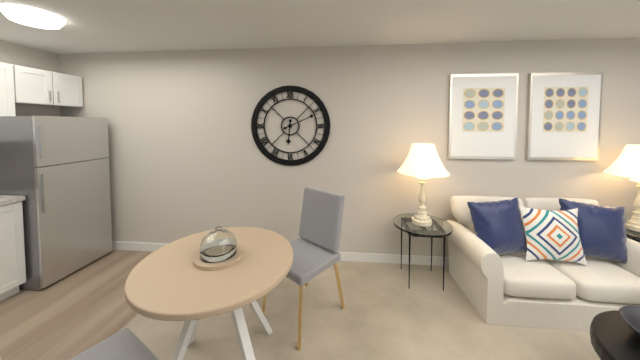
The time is **6:11**
